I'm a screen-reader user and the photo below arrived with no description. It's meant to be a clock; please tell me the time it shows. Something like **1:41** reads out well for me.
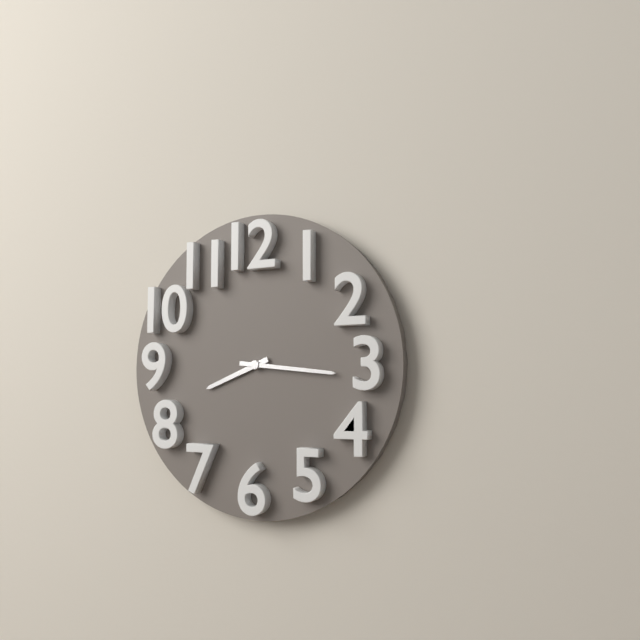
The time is **8:16**
